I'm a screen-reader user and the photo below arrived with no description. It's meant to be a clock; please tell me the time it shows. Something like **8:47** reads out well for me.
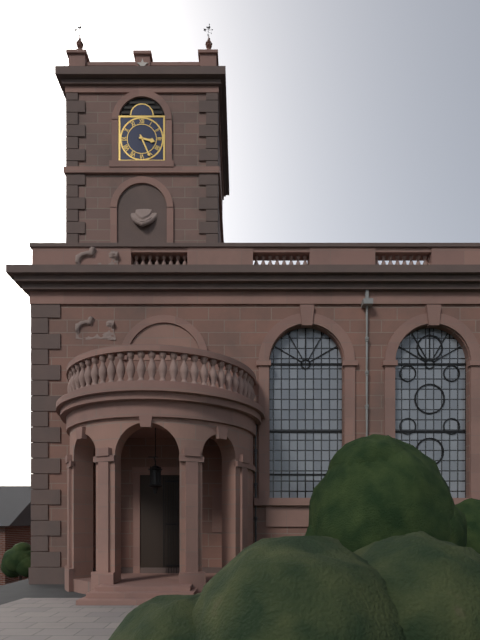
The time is **3:26**
